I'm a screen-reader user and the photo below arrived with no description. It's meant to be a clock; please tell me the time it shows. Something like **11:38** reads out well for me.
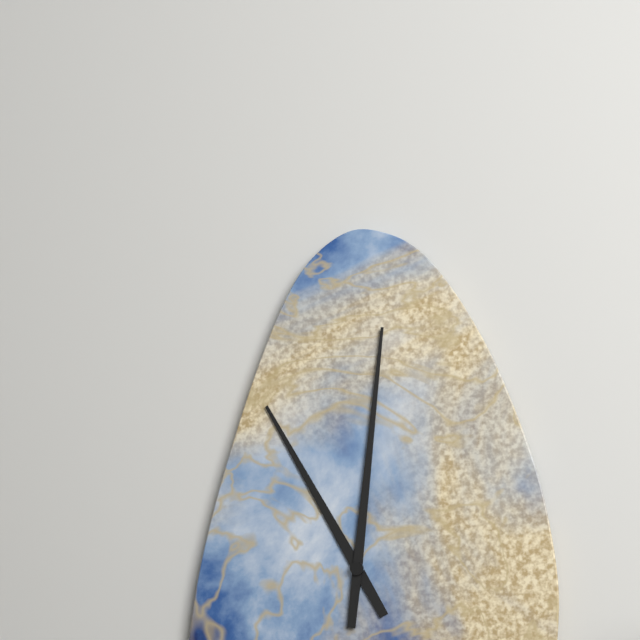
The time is **11:01**
